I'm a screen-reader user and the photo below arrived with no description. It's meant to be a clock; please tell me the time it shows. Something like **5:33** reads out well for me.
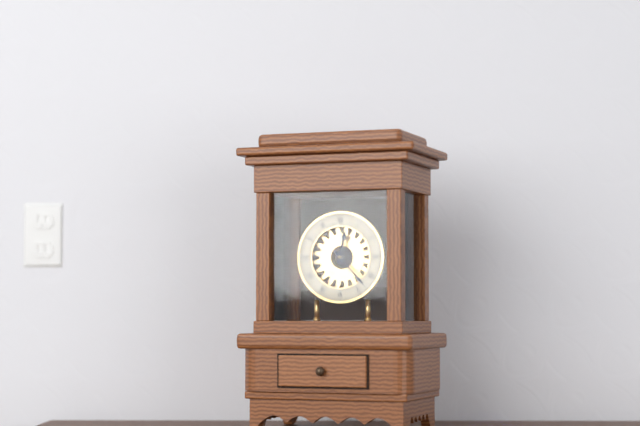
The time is **12:23**
